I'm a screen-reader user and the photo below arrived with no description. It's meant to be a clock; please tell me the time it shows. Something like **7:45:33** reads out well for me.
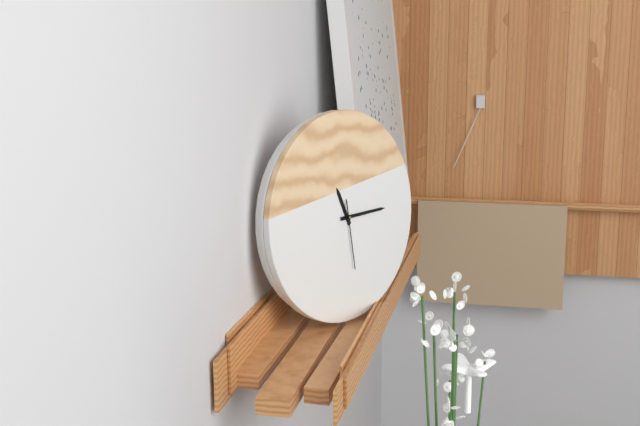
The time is **11:15:29**
